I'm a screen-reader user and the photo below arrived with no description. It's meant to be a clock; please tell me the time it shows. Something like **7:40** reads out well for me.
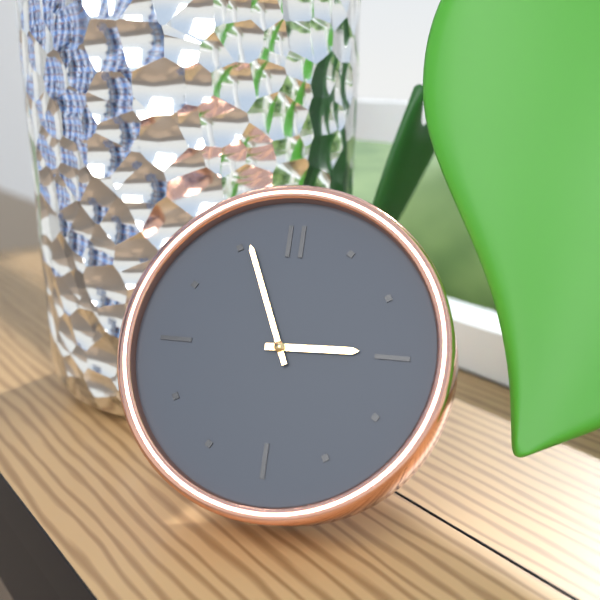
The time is **2:56**
